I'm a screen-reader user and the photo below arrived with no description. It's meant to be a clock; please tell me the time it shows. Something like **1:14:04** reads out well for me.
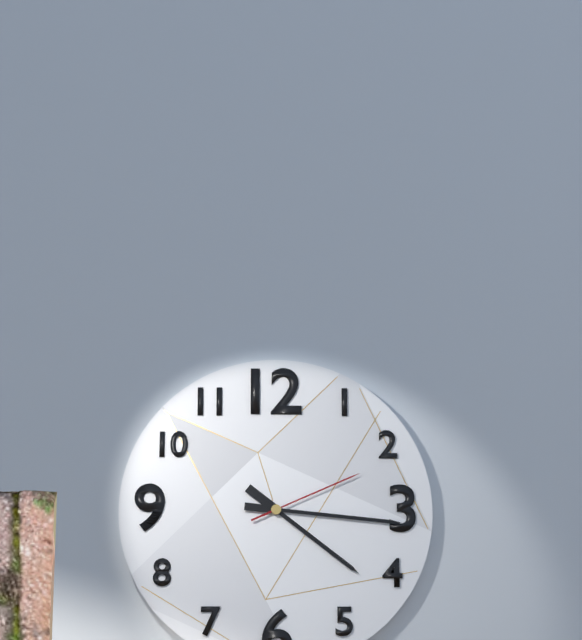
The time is **4:16:11**
